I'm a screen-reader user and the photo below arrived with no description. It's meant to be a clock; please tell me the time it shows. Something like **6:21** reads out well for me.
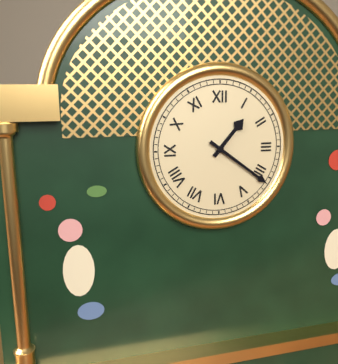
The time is **1:21**
